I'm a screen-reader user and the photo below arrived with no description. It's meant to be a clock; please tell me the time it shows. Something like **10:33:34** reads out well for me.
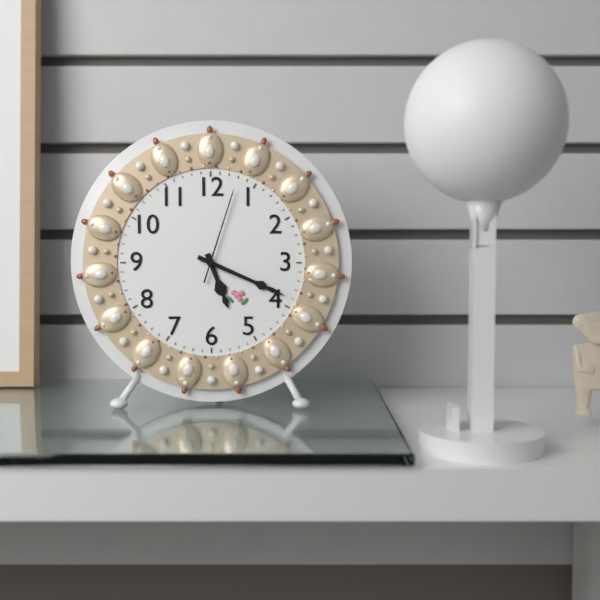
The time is **5:19:03**
